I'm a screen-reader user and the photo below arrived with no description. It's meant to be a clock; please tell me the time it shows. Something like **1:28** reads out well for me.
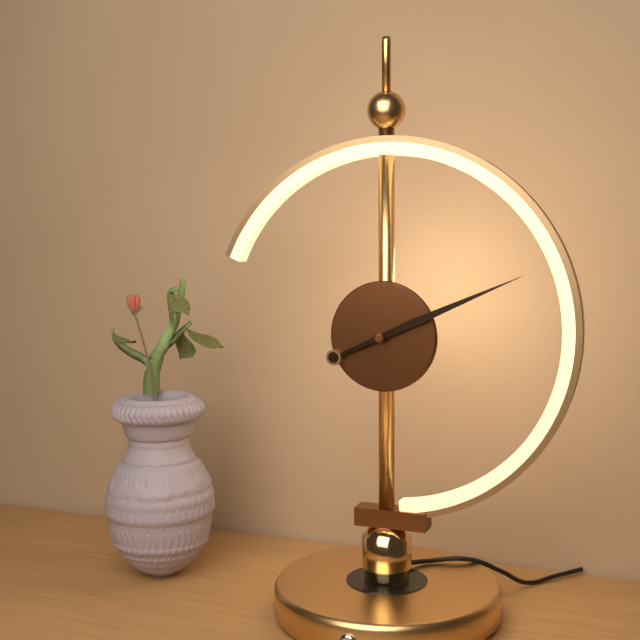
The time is **2:11**
